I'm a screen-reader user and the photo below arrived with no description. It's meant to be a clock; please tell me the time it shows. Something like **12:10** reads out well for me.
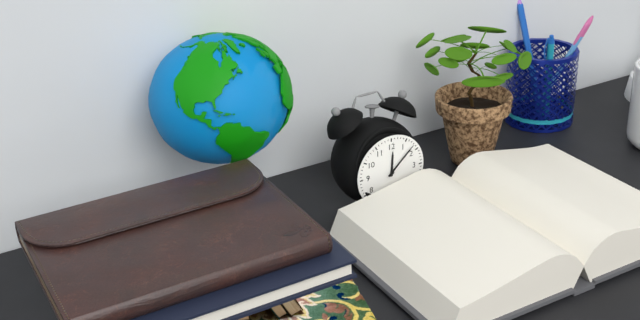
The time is **12:08**
